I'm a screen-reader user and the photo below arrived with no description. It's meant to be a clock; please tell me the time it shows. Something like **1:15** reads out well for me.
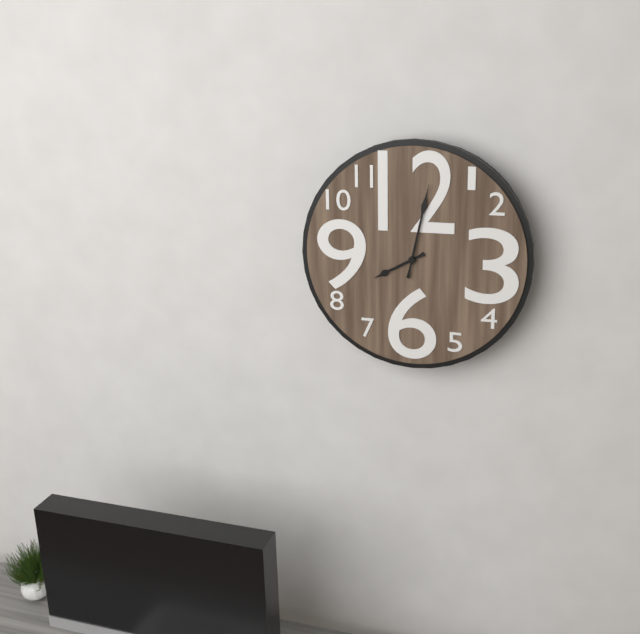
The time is **8:02**
